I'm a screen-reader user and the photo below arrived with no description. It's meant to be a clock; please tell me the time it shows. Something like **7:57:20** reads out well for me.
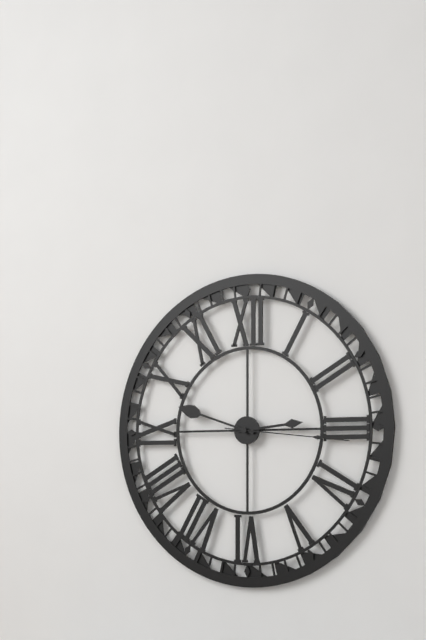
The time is **2:48:16**
